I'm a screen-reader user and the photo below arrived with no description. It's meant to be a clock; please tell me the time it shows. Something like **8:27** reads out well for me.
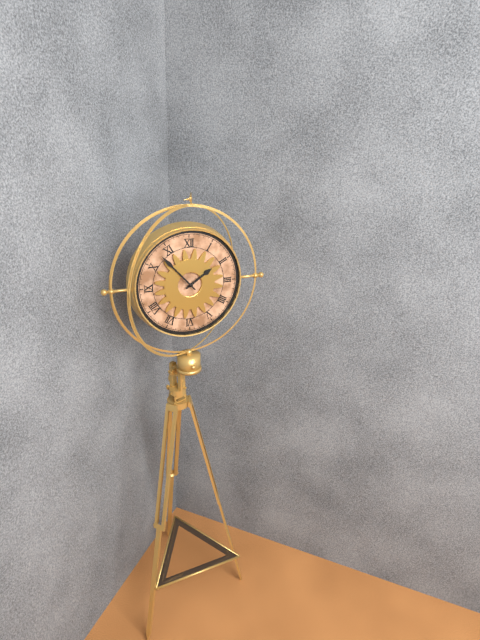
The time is **1:53**
